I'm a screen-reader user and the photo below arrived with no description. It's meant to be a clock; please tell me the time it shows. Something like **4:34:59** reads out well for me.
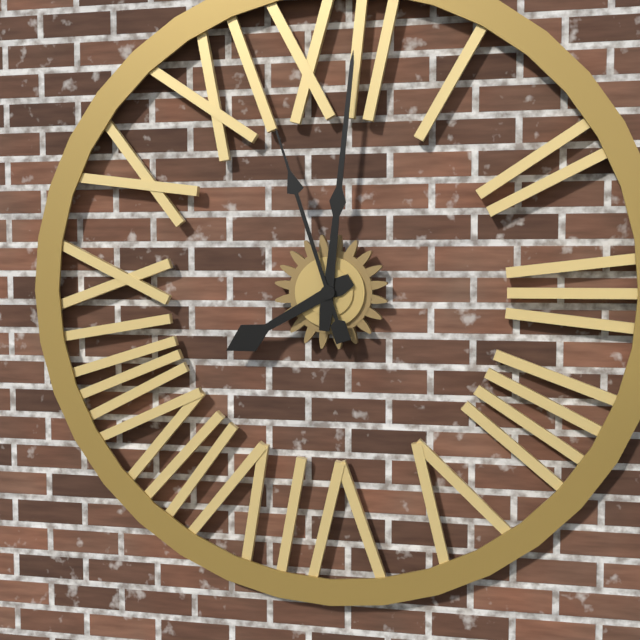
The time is **8:01:57**
